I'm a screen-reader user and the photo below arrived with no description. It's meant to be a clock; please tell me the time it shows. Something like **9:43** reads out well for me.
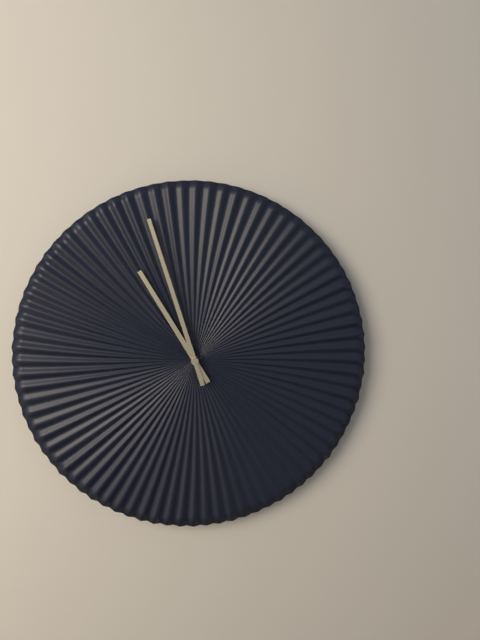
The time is **10:57**
